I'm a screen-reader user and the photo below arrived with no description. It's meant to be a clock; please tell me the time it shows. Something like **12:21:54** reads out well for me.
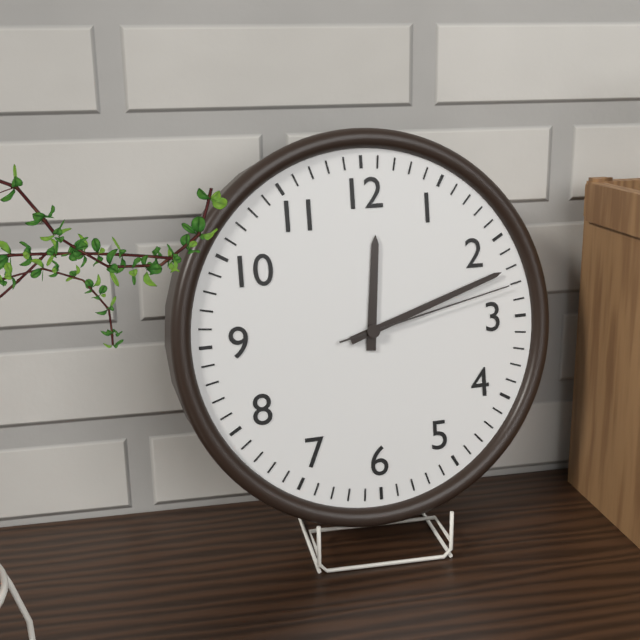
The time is **12:12:13**
